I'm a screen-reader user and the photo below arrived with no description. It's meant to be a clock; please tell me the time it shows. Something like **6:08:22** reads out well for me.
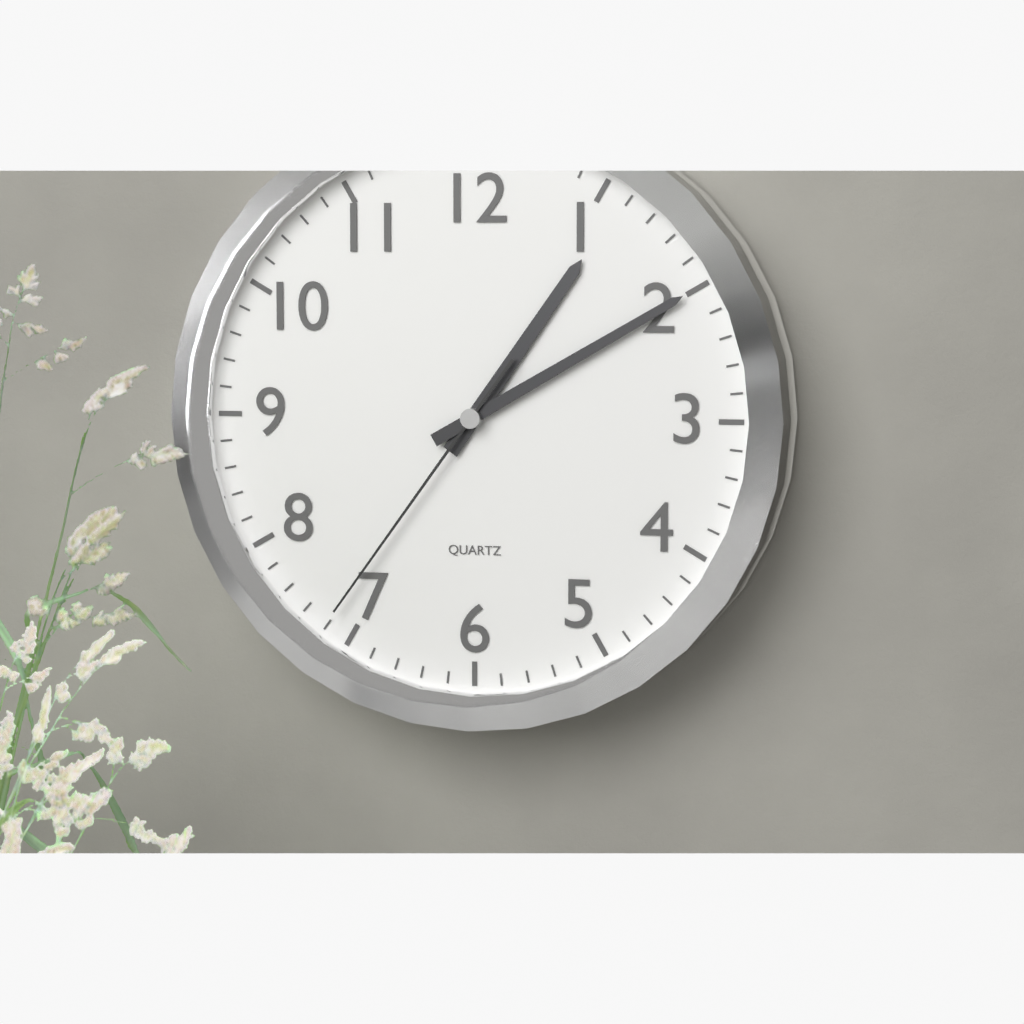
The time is **1:10:36**
